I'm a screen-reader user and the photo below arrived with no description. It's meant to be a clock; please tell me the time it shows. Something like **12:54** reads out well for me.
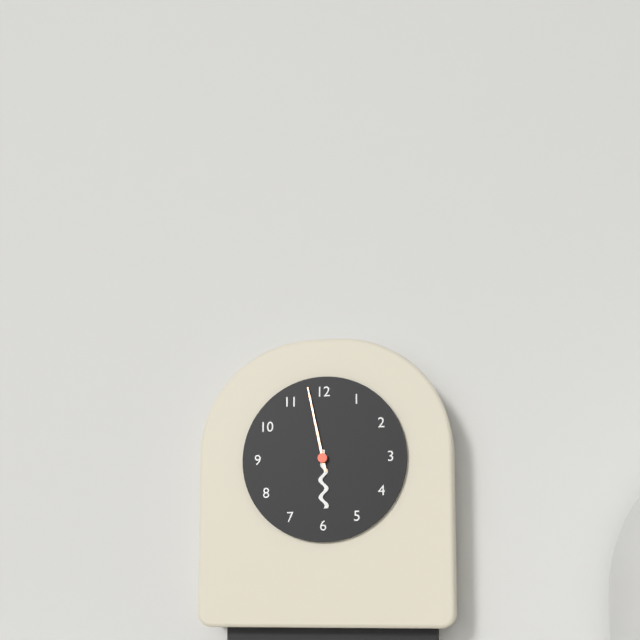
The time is **5:58**
